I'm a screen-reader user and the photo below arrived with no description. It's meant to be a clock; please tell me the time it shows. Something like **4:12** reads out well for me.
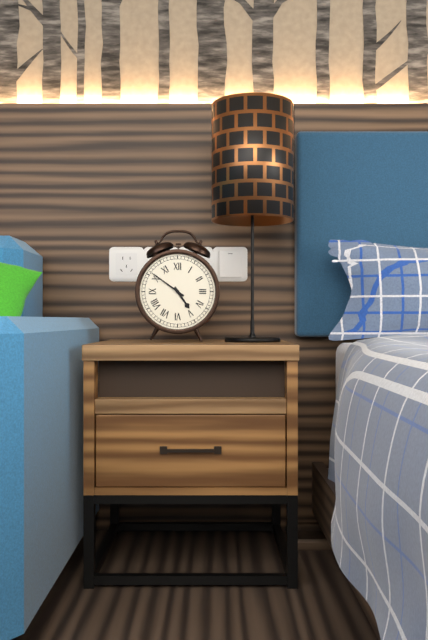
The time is **4:51**
